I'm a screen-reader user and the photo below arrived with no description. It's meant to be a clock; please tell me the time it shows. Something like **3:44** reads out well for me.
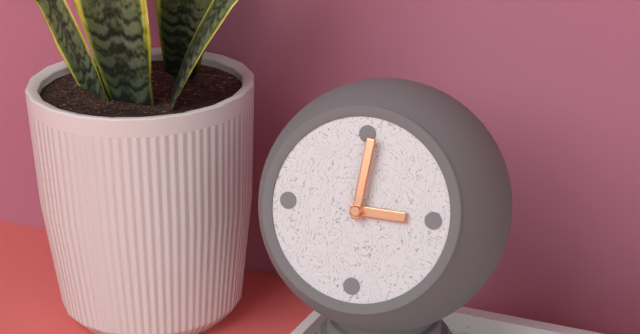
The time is **3:01**
